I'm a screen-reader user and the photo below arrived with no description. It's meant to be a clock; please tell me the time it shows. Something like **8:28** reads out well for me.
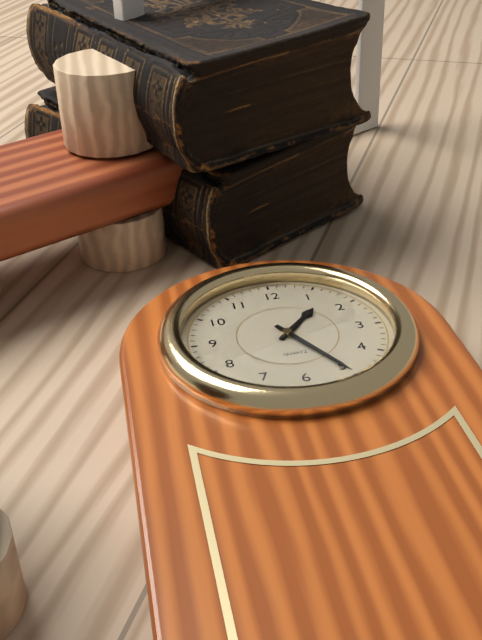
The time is **1:25**
